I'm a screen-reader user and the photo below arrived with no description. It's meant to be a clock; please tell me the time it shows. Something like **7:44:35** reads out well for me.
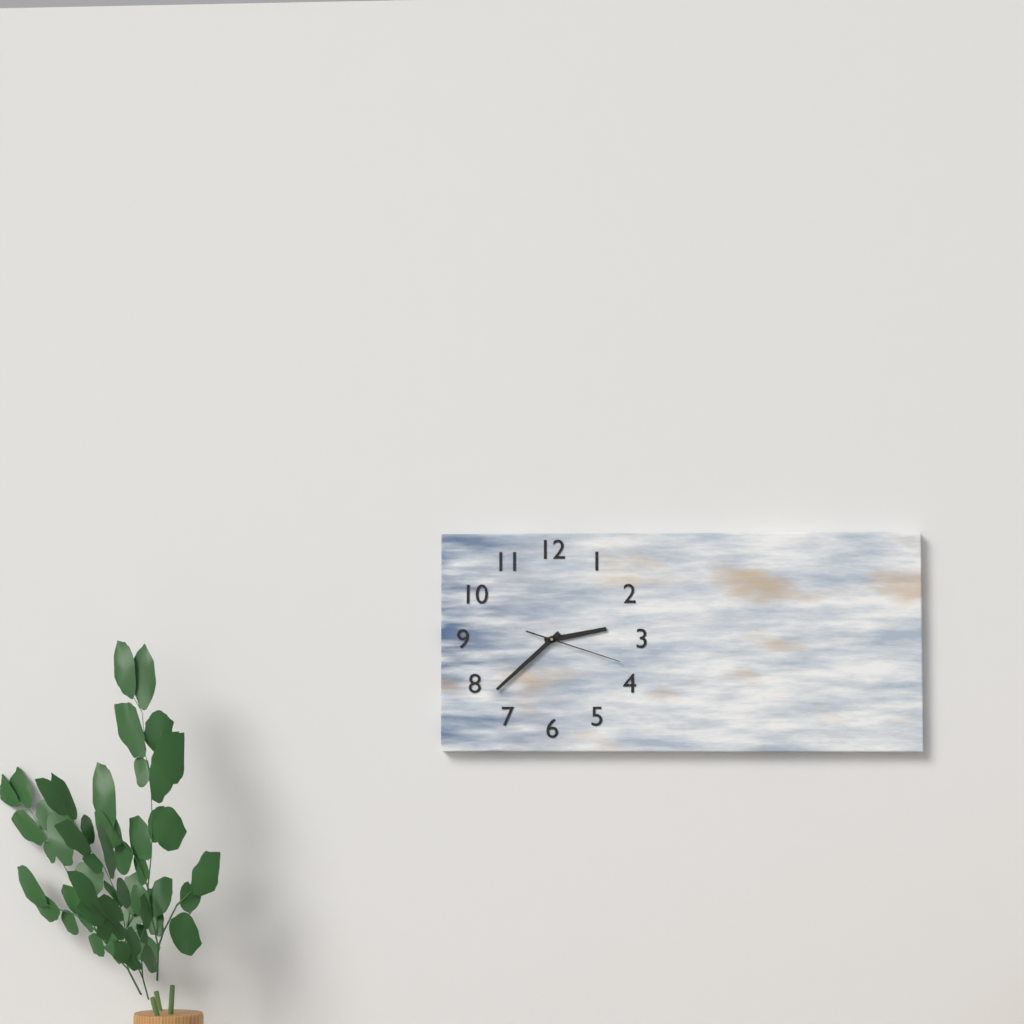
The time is **2:38:18**
